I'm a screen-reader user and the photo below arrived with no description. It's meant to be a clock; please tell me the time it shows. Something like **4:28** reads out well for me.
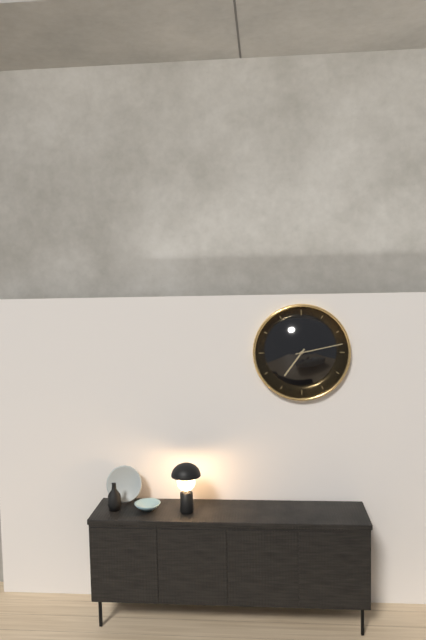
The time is **7:13**
